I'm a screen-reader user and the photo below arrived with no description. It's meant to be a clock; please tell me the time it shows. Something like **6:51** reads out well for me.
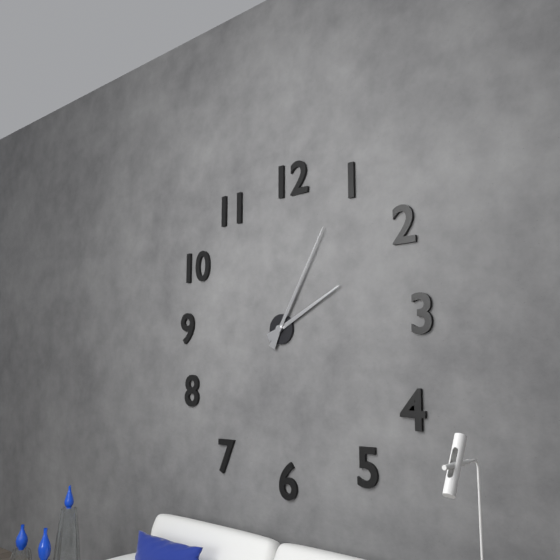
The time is **2:05**
